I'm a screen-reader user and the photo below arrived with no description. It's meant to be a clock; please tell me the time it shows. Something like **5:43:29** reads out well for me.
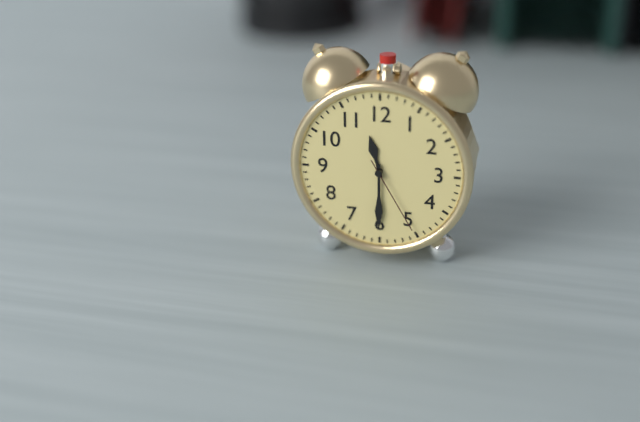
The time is **11:30:25**
